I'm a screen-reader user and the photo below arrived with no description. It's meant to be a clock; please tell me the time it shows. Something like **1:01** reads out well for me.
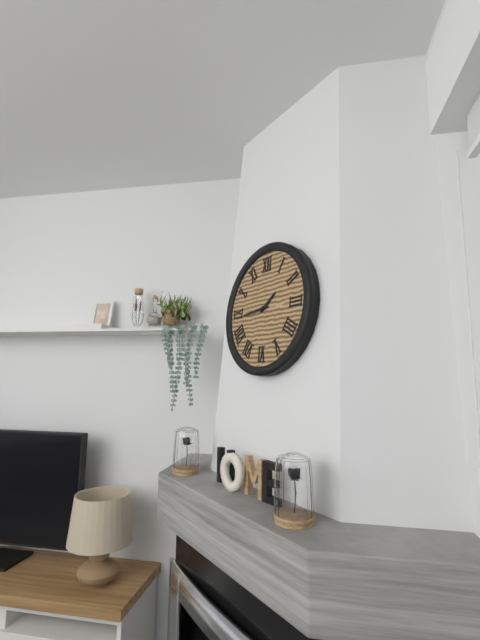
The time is **1:44**
